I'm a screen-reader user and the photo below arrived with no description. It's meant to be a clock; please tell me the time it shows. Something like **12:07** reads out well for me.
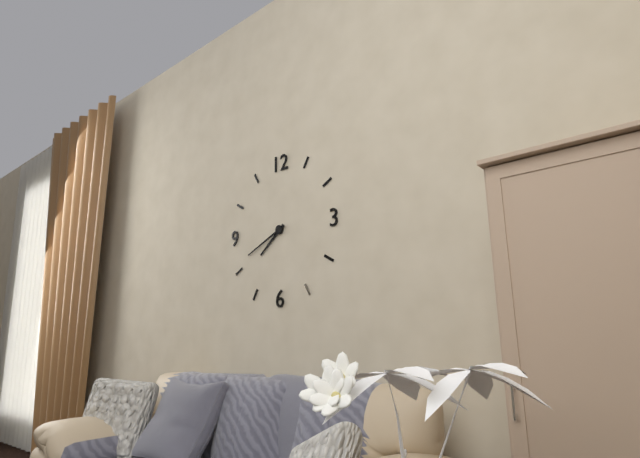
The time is **7:41**
